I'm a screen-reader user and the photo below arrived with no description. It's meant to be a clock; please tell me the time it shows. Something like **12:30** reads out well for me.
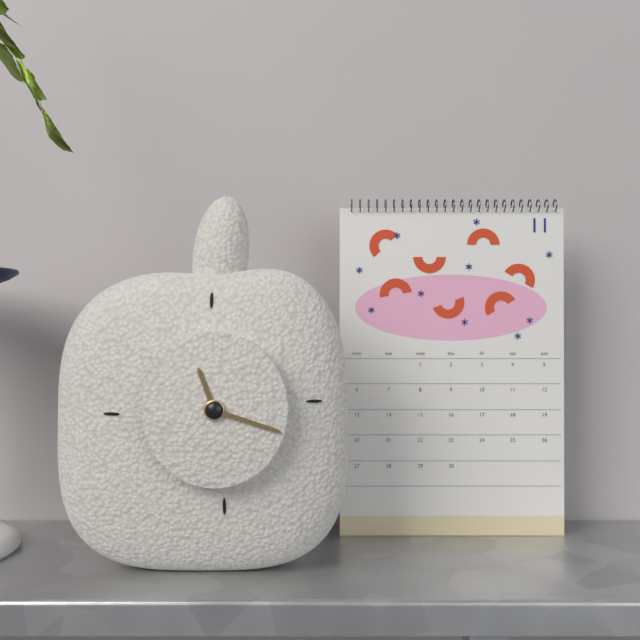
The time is **11:18**
